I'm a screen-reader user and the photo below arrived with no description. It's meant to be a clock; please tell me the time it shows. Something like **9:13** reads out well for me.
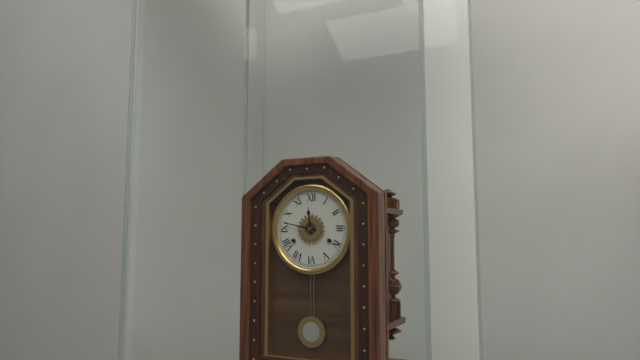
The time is **11:47**
